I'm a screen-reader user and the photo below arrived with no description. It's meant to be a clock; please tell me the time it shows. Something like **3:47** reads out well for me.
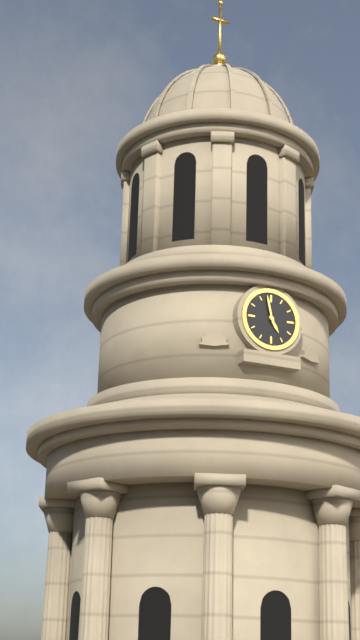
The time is **4:58**
